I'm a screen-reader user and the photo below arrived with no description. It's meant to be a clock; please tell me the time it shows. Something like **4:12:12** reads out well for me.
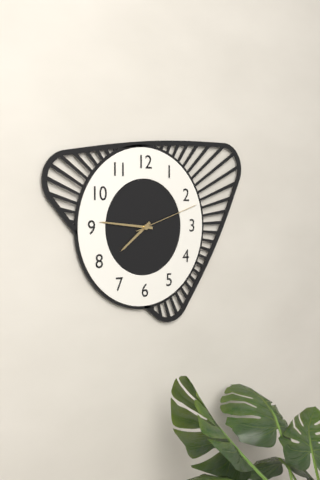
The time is **7:46:12**
